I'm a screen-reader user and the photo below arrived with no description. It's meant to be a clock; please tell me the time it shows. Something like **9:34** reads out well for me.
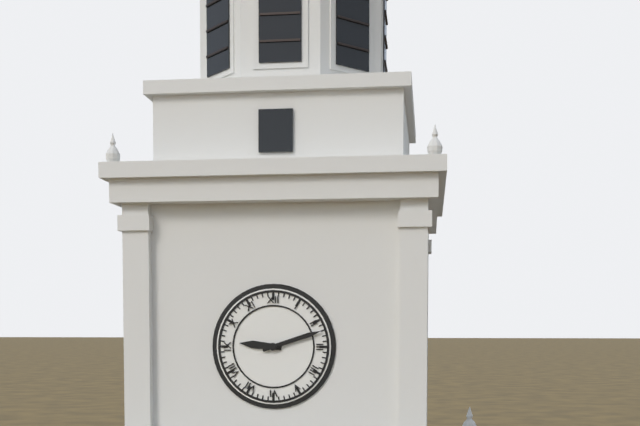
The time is **9:12**
